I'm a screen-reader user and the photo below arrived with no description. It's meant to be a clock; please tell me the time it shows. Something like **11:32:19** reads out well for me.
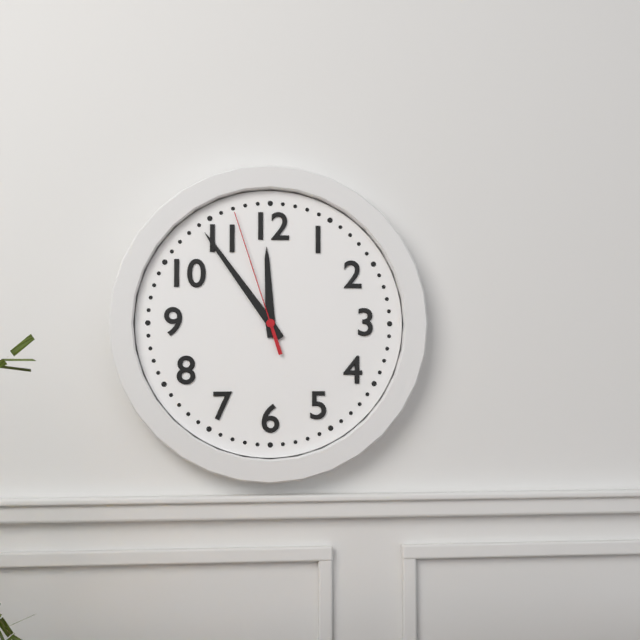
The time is **11:54:57**
